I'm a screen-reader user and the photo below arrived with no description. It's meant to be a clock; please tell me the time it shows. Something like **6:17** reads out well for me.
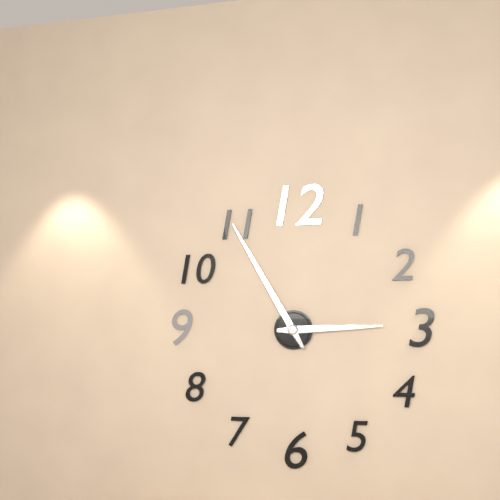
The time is **2:55**
